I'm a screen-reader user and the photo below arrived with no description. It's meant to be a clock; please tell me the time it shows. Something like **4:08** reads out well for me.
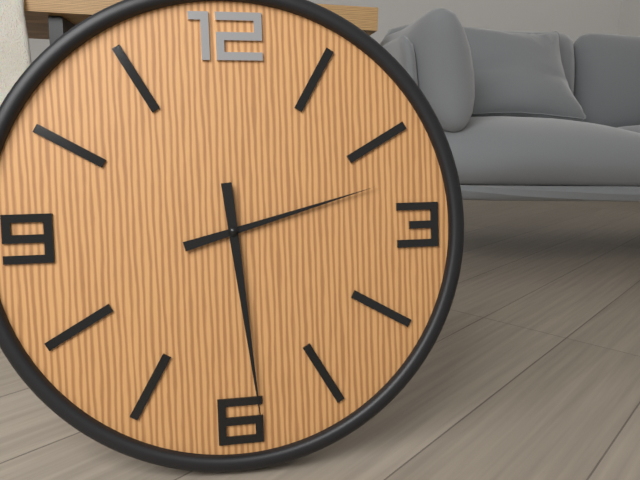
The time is **2:29**
